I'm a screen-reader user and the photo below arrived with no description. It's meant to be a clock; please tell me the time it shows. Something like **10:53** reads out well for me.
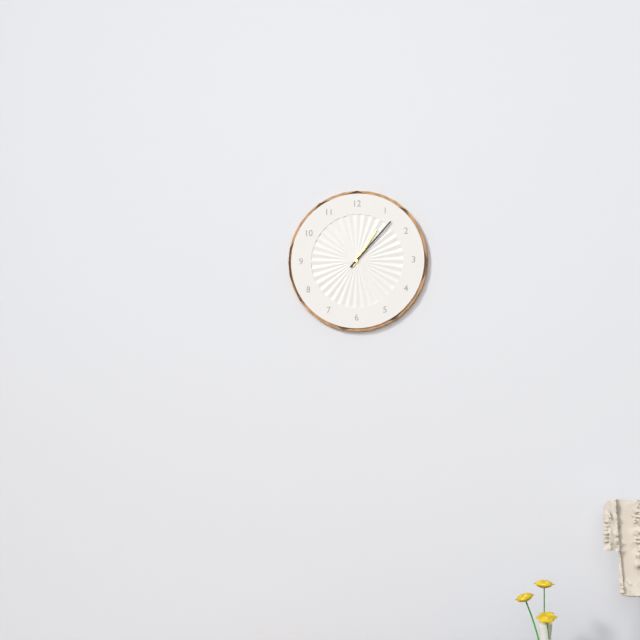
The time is **1:07**
